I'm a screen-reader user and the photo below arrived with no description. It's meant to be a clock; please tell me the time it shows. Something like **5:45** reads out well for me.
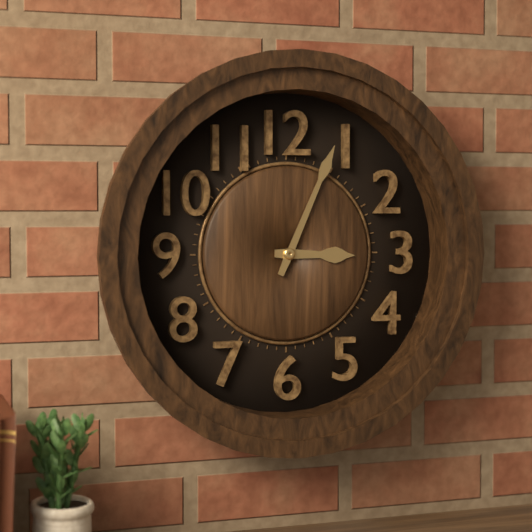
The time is **3:04**
